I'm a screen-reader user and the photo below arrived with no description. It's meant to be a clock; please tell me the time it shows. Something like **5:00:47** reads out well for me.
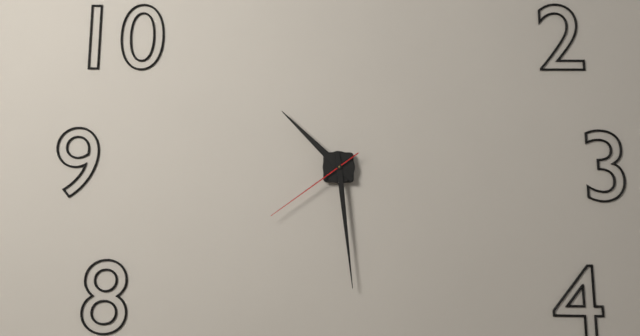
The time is **10:29:39**
